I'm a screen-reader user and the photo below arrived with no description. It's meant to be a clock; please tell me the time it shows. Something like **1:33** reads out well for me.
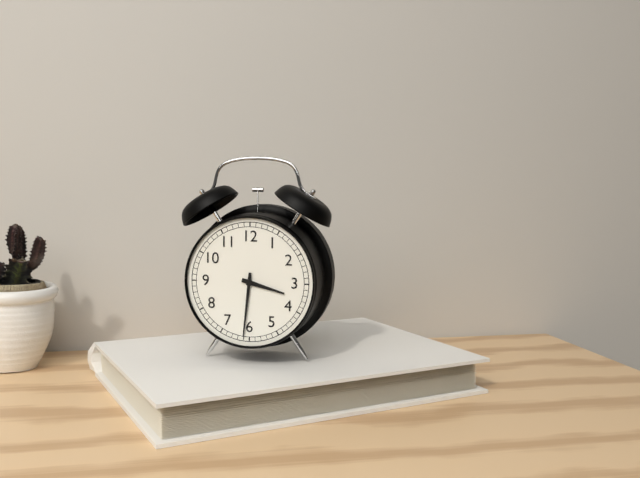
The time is **3:31**
